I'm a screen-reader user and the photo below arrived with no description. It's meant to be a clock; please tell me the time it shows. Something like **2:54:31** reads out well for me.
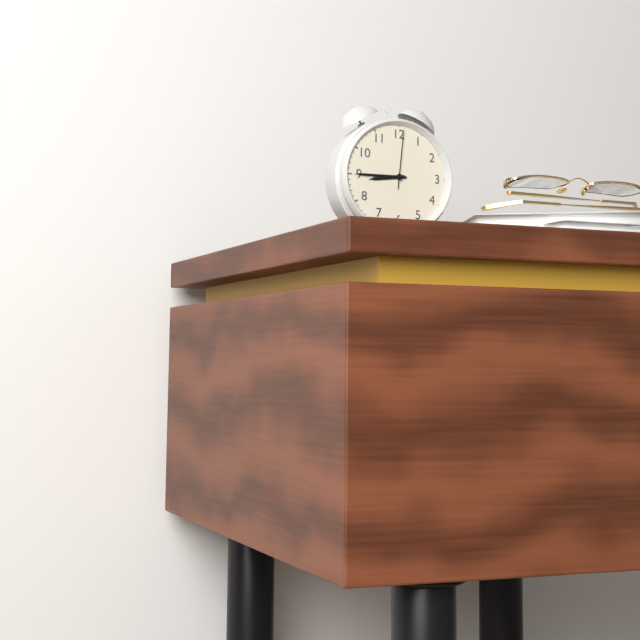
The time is **8:45:01**
